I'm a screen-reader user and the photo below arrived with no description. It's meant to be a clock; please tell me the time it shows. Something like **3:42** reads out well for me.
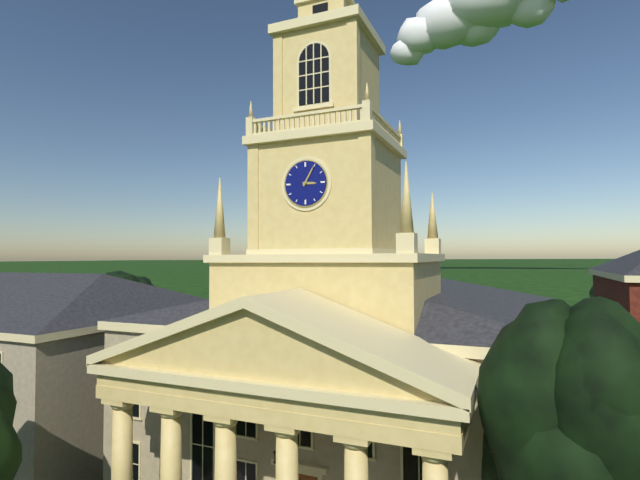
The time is **3:05**
